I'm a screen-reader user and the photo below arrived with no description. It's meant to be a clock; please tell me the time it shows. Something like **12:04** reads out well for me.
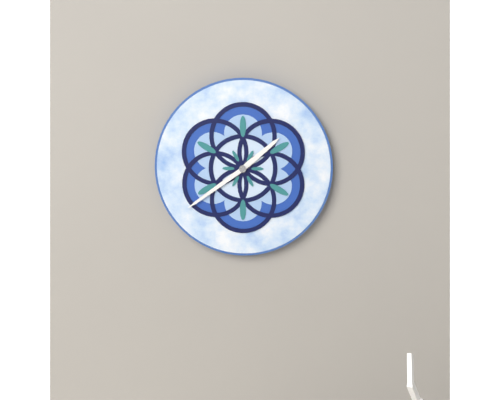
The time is **1:39**
